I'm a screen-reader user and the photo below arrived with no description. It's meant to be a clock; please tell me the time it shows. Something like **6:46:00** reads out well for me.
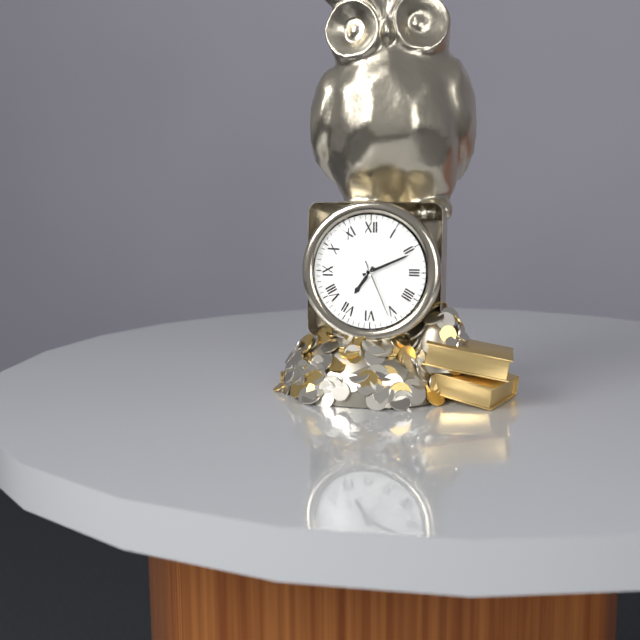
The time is **7:11:26**
